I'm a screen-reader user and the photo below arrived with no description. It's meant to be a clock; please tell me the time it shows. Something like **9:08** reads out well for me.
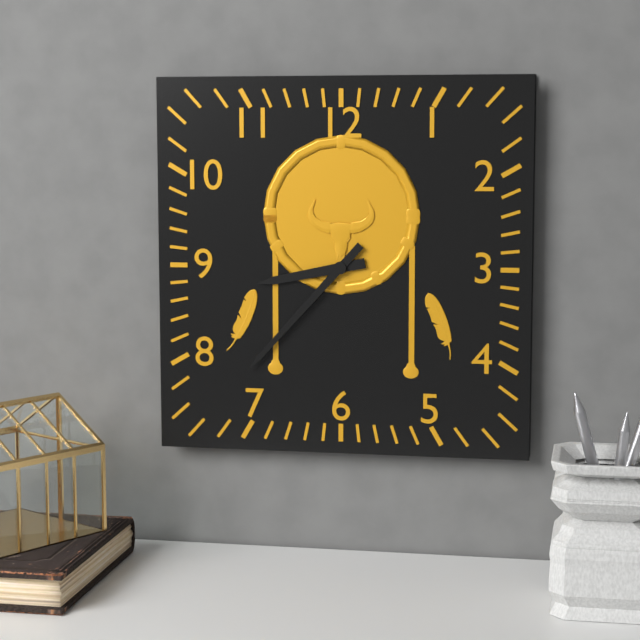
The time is **8:37**
